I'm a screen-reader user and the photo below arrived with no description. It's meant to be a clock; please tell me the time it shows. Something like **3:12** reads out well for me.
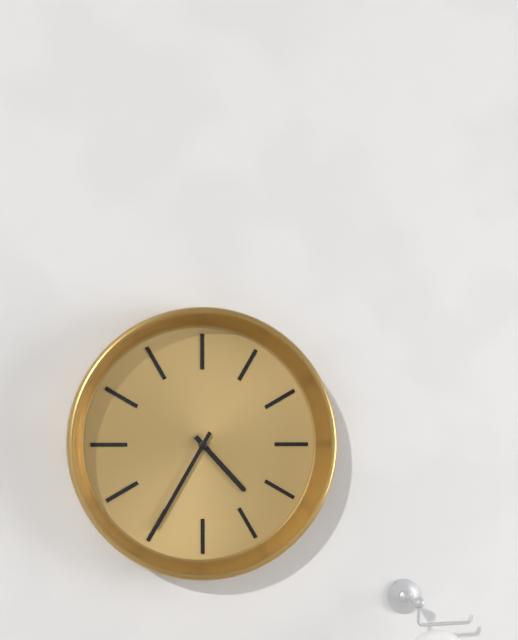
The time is **4:35**
